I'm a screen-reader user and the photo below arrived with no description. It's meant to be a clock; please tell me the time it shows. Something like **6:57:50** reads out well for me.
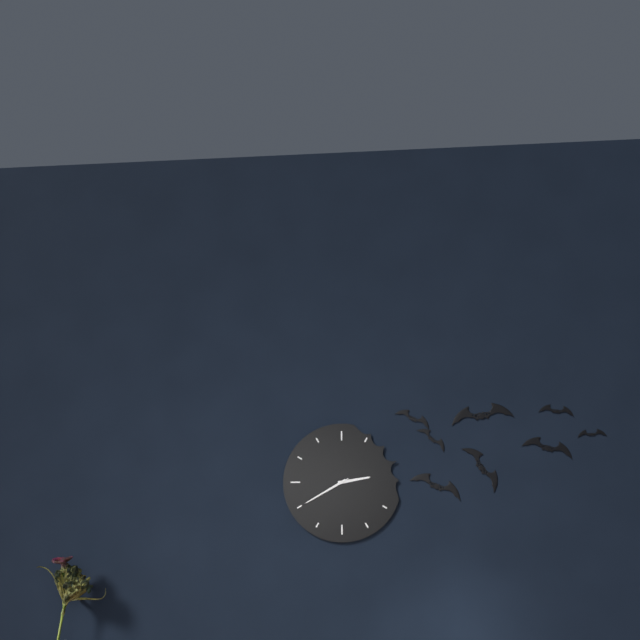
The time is **2:40:40**
